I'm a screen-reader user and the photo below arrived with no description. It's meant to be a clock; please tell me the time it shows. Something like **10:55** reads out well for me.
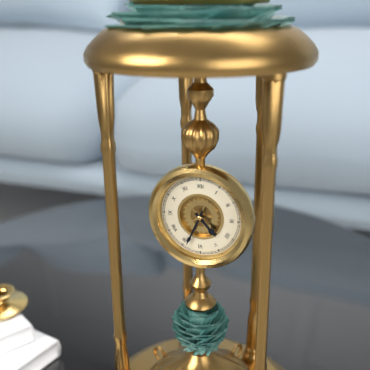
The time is **4:34**
